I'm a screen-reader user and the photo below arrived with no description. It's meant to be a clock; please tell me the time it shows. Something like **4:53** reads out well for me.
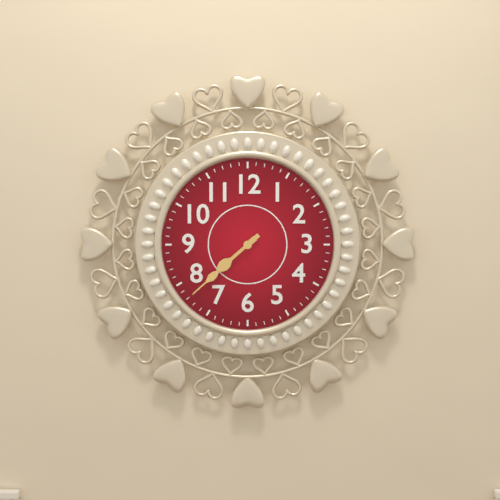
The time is **7:38**
